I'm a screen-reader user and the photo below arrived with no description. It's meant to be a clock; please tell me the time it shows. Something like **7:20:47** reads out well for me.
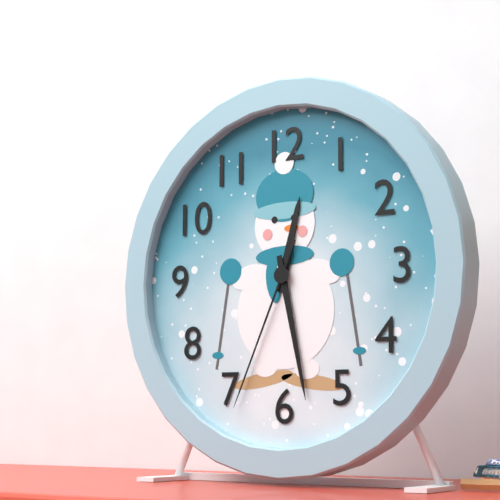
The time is **12:28:34**
